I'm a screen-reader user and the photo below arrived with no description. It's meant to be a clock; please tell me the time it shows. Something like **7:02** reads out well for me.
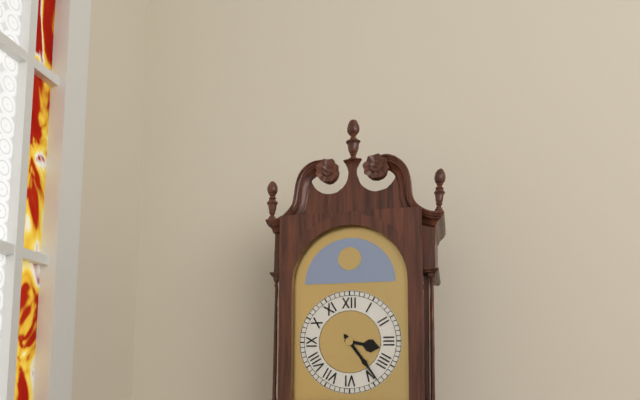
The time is **3:24**
